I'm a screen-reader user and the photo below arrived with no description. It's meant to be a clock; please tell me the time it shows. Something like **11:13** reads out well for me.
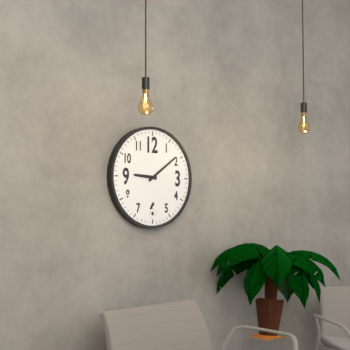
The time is **9:09**
